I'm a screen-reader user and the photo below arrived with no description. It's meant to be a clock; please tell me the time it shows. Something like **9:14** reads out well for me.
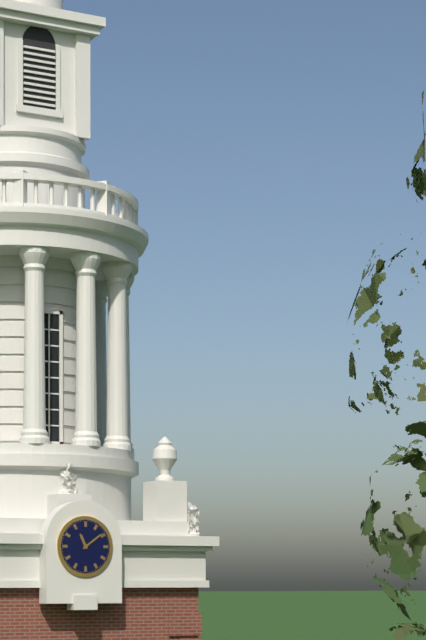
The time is **11:09**
